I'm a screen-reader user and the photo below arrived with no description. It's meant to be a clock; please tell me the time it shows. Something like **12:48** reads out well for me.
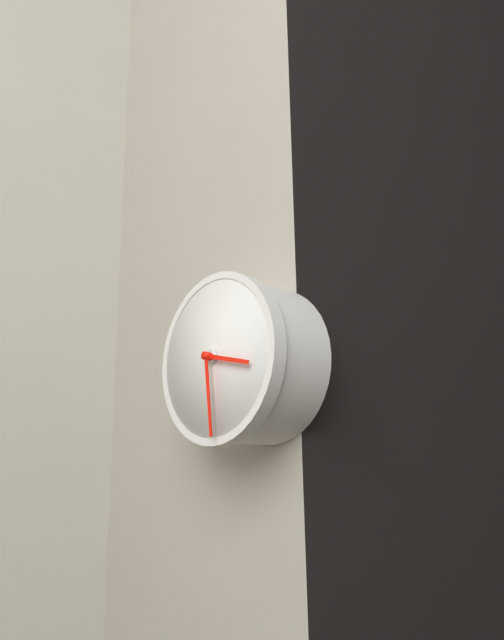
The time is **3:29**
